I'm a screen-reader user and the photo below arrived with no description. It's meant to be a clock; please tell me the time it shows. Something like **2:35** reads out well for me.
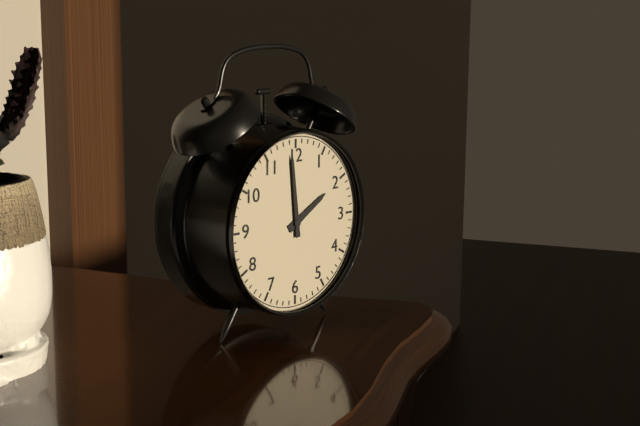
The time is **1:59**
